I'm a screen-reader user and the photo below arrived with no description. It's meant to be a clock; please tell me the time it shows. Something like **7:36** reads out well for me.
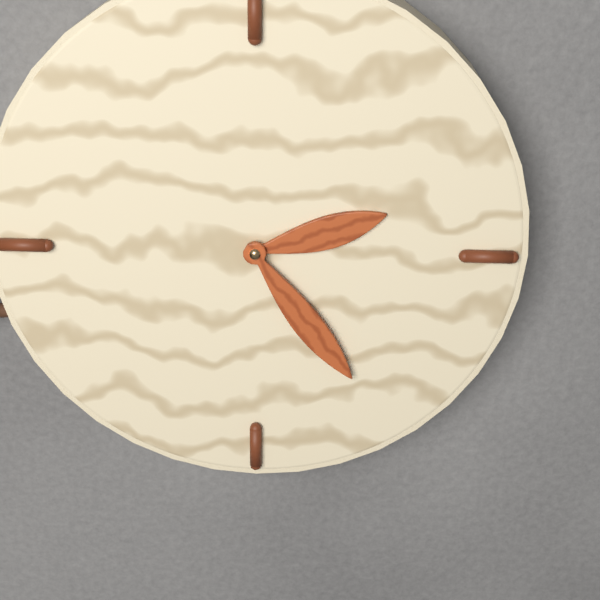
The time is **2:24**
